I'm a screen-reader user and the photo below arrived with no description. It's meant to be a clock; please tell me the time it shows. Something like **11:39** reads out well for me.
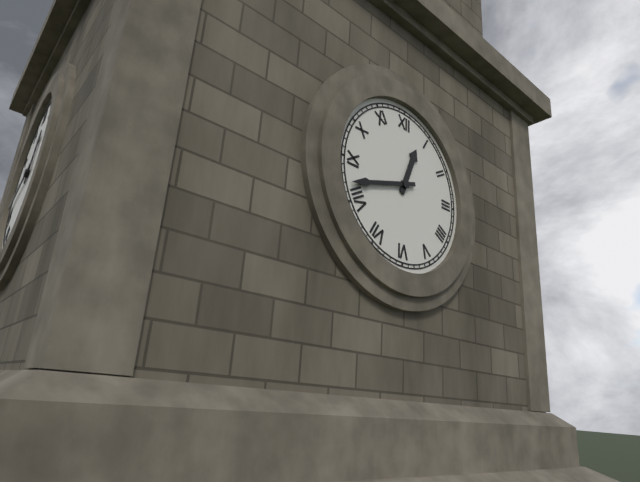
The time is **12:42**
